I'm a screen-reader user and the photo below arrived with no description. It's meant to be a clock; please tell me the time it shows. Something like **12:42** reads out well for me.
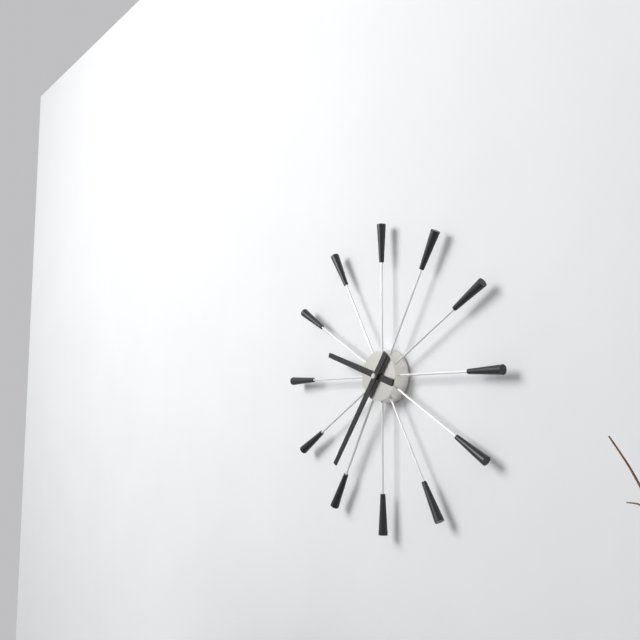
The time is **9:36**
